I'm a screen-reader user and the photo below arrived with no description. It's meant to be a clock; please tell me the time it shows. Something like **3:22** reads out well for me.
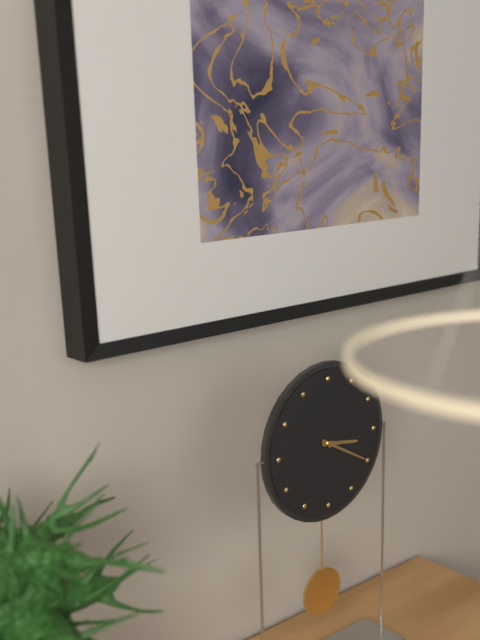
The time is **3:20**
